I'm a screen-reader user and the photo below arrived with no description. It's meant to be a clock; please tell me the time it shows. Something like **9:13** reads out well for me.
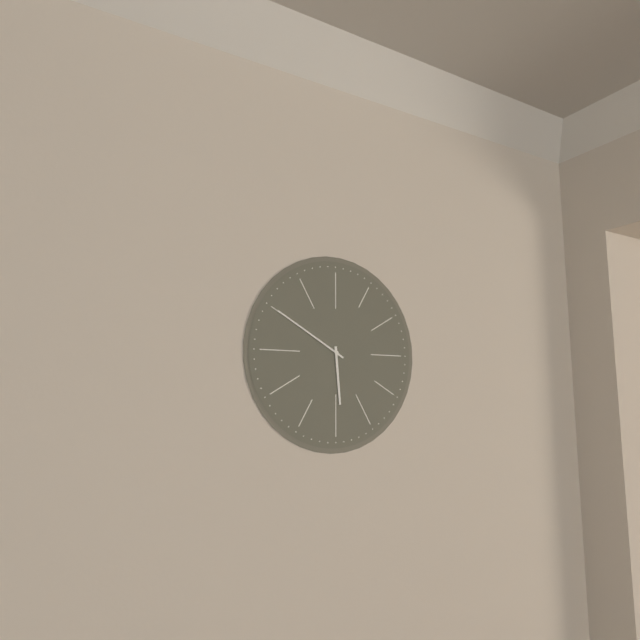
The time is **5:50**
